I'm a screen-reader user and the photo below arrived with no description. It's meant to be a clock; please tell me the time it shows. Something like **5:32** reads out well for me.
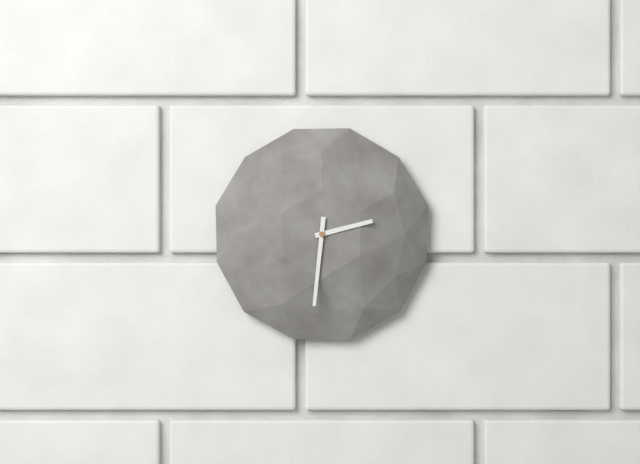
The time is **2:31**
